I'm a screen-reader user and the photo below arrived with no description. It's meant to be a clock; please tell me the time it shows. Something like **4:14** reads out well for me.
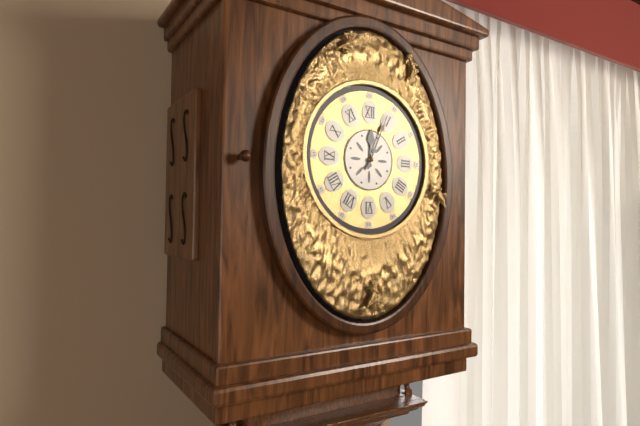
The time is **12:04**
